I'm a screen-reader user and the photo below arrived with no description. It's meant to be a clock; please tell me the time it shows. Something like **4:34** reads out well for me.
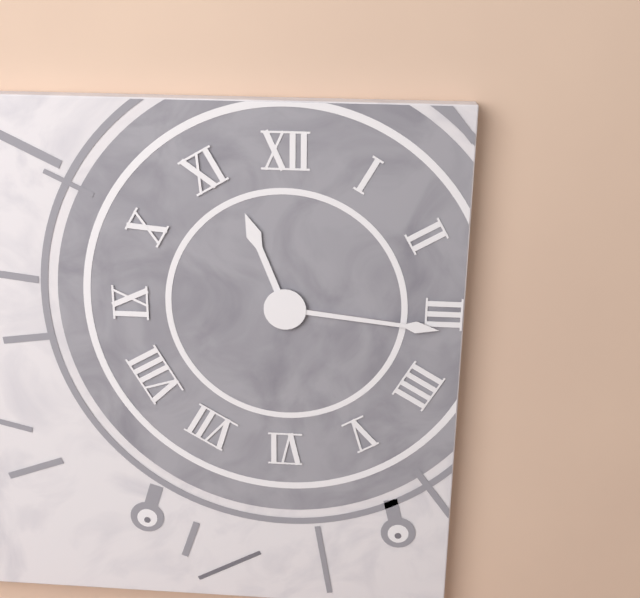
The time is **11:16**
